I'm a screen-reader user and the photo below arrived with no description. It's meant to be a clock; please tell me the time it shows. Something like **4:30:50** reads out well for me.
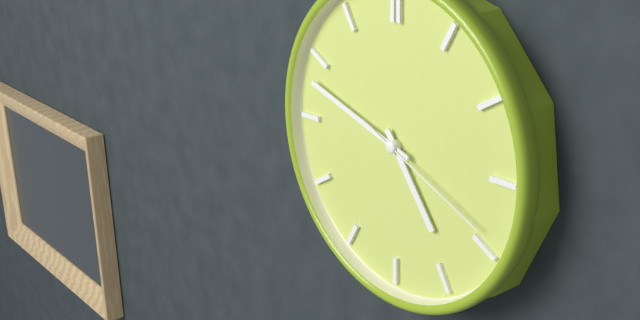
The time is **4:48:19**
